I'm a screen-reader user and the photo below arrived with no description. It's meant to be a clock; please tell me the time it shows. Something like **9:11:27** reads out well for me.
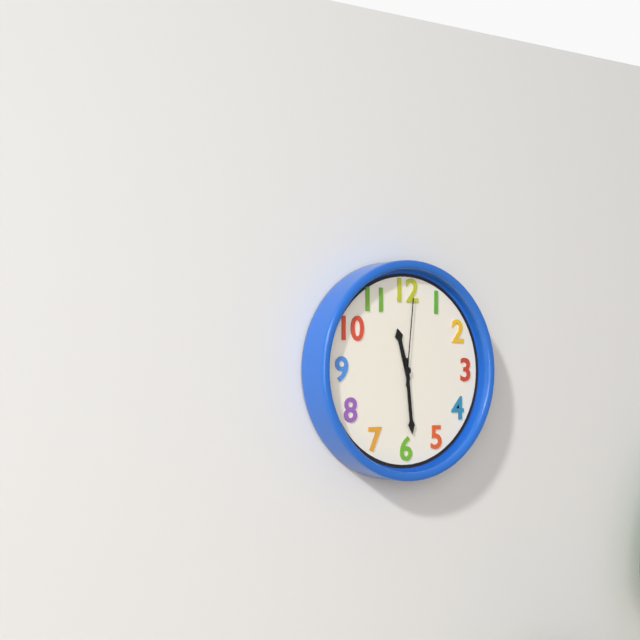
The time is **11:29:01**
